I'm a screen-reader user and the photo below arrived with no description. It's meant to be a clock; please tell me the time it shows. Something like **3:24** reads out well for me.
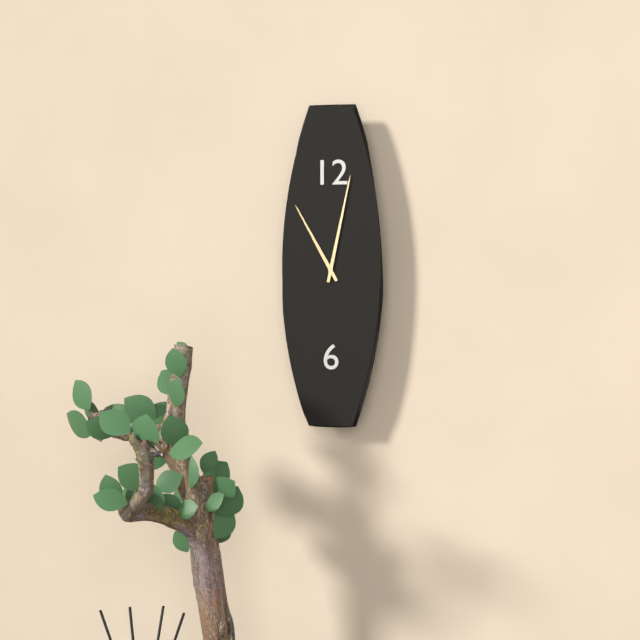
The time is **11:02**
